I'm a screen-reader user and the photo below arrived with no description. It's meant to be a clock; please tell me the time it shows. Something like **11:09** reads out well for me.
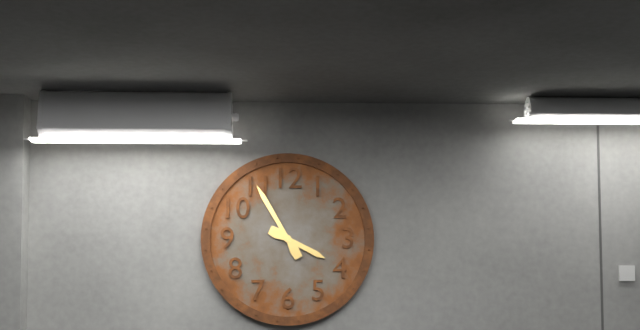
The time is **3:55**
